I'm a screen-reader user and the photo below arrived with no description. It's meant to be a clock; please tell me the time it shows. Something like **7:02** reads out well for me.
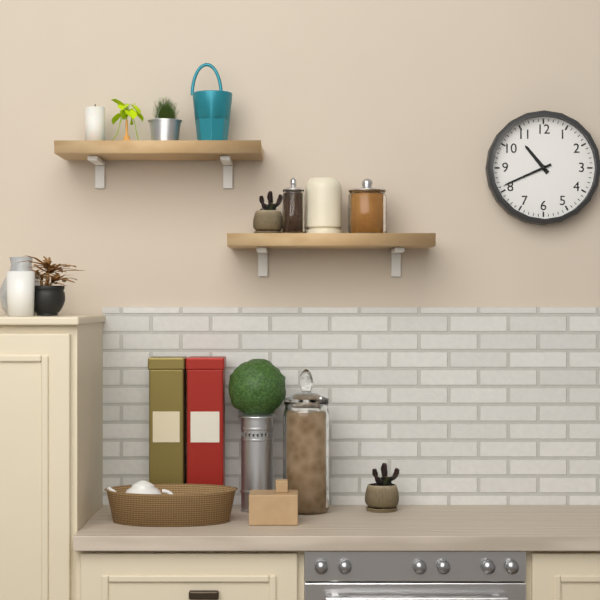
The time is **10:41**
